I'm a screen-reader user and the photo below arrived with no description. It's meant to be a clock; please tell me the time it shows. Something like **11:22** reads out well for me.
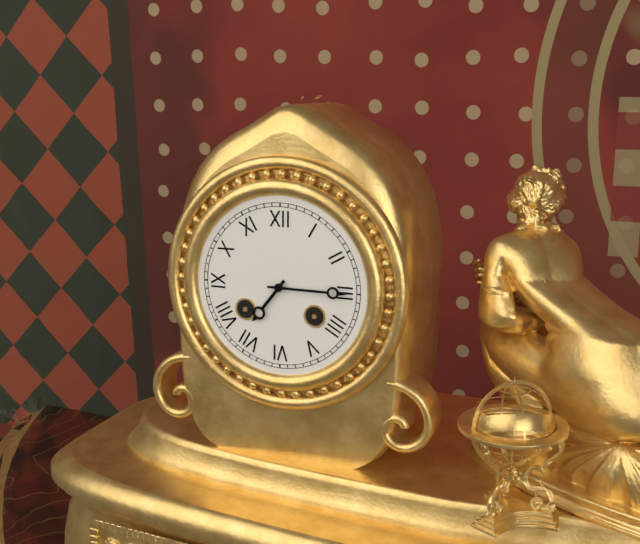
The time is **7:15**
